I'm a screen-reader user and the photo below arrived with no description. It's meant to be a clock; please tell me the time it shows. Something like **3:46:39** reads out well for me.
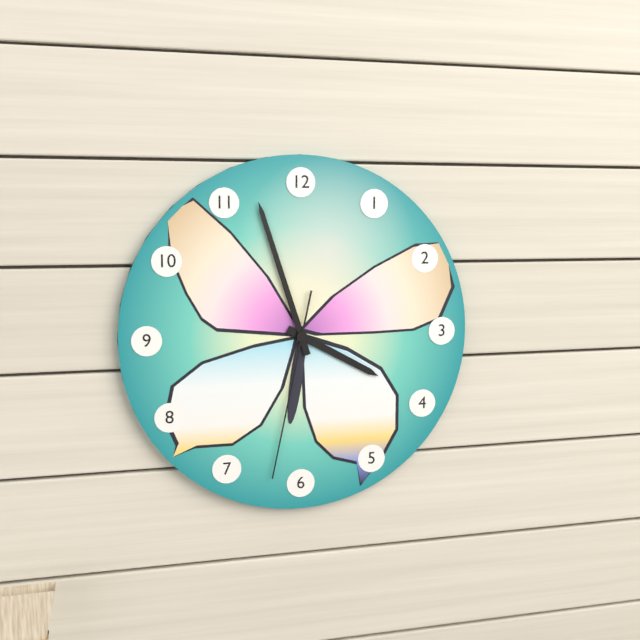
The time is **3:57:32**
